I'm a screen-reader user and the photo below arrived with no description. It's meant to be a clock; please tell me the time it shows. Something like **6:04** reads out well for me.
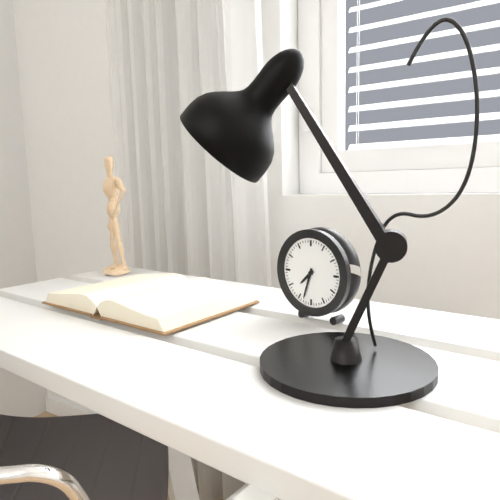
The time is **7:33**
